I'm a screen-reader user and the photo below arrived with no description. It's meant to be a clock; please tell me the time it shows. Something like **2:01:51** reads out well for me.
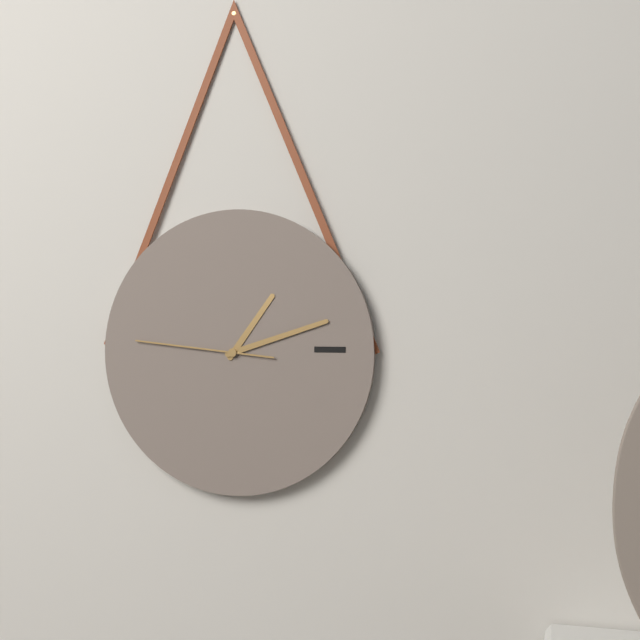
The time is **1:12:46**
